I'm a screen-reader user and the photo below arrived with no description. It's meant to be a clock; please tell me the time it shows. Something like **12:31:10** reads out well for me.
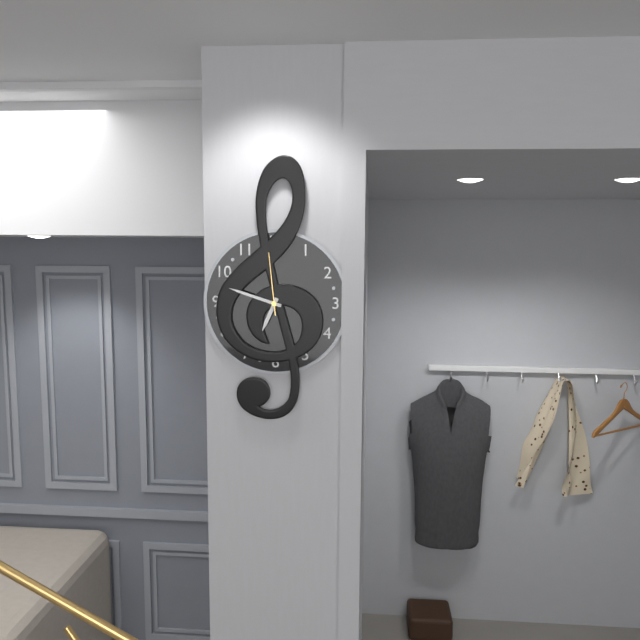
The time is **6:48:59**
